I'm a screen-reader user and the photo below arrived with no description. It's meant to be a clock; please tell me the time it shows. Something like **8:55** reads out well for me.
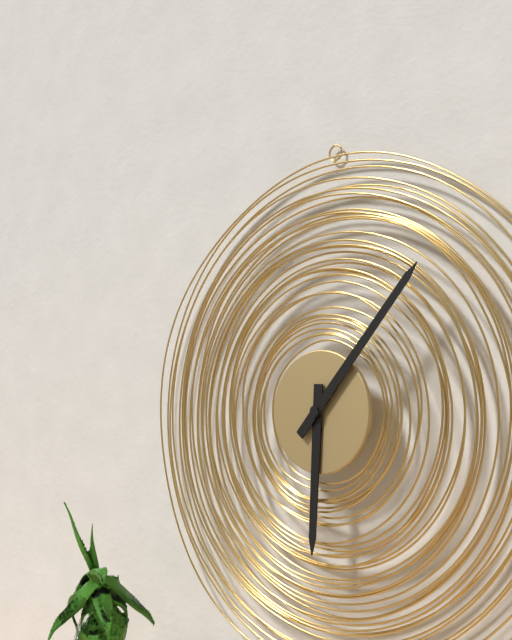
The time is **6:07**
